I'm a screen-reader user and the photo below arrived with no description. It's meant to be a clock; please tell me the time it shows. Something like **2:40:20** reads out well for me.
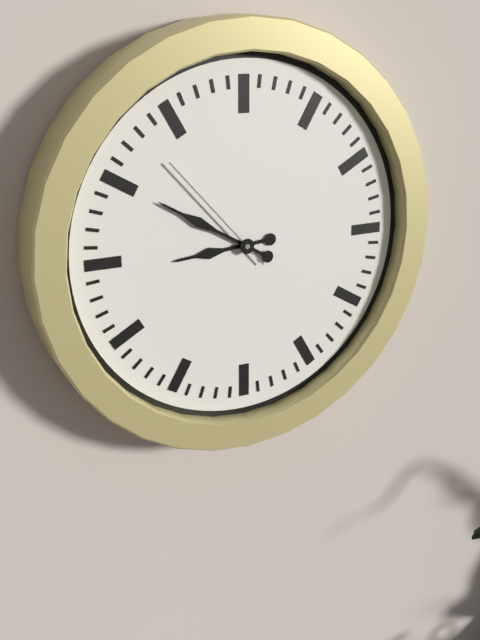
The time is **8:50:53**
